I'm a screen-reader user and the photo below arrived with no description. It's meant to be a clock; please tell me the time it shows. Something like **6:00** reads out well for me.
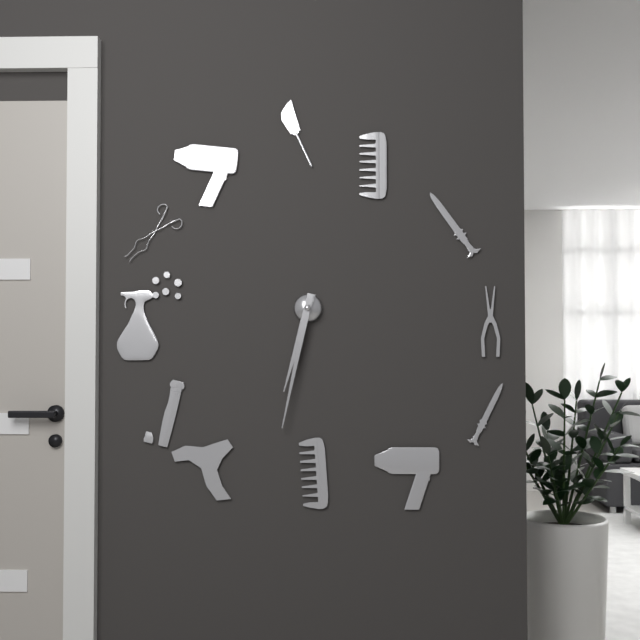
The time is **6:32**
